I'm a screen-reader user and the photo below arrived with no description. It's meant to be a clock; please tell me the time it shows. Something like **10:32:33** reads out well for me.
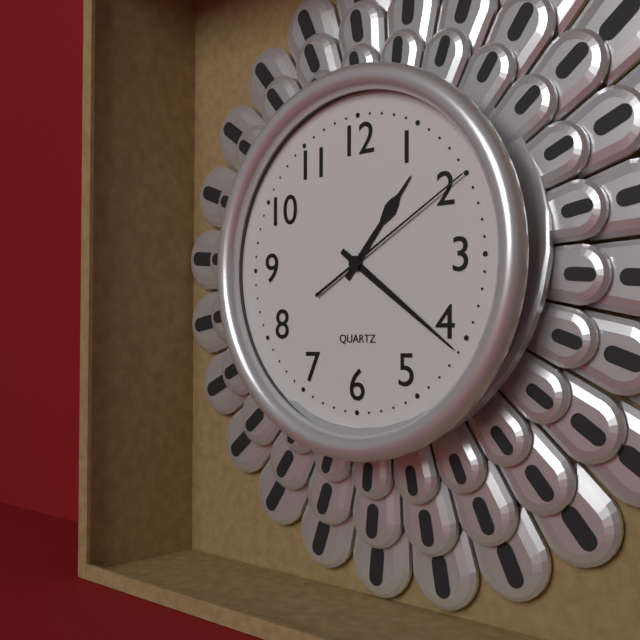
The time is **1:21:10**
